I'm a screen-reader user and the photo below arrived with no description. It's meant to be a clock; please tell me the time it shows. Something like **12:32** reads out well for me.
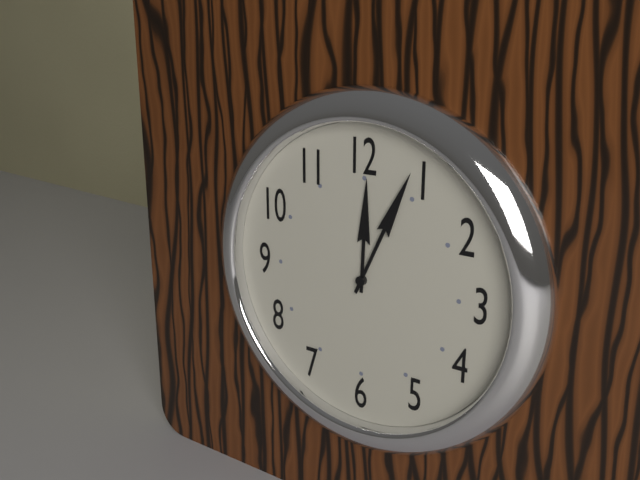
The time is **12:04**
